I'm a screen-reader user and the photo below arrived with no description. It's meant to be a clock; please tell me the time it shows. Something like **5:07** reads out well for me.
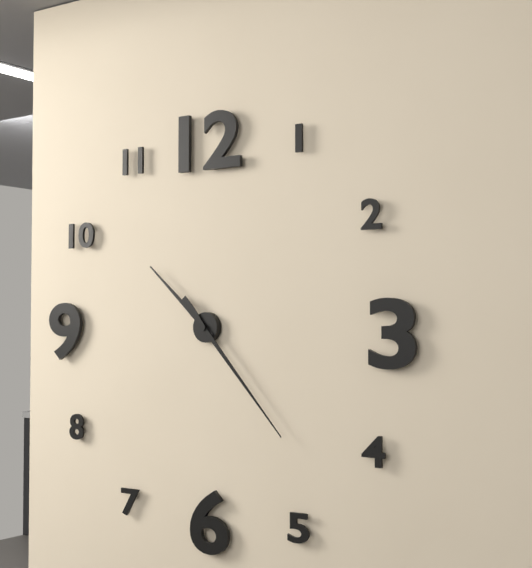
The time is **10:23**
